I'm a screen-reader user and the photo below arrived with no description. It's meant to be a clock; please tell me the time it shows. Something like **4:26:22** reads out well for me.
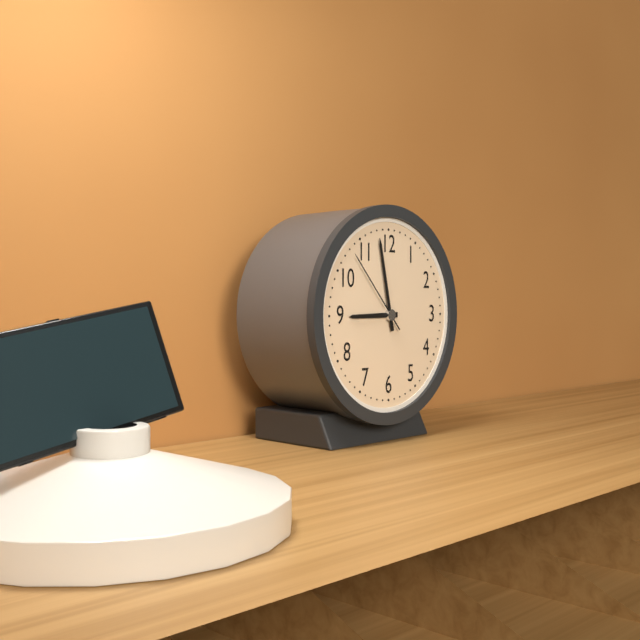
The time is **8:58:53**
